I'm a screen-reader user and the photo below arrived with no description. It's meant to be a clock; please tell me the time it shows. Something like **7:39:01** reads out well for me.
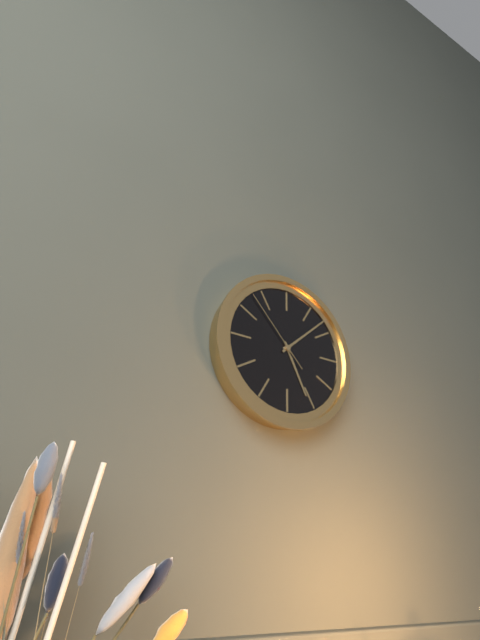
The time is **5:08:53**
